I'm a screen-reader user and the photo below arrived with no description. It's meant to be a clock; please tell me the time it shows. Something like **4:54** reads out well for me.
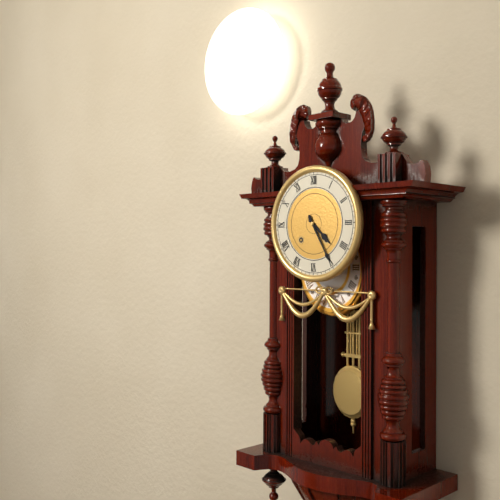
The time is **4:25**
